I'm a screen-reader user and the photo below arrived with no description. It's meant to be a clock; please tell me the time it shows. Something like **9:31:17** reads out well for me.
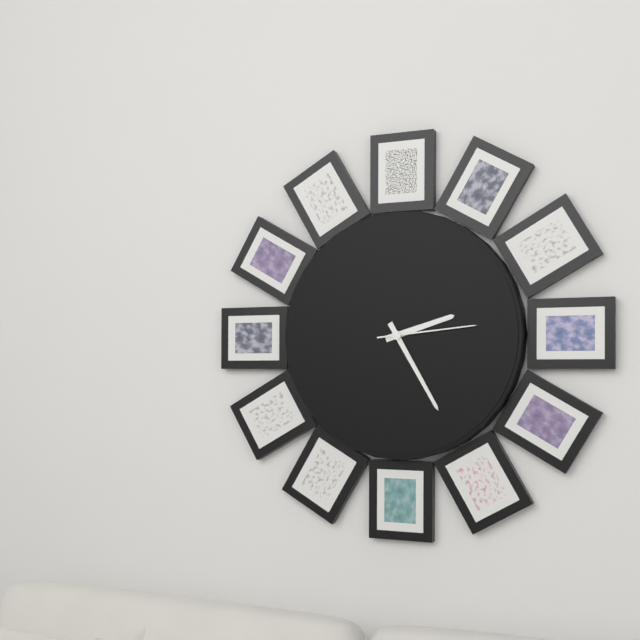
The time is **2:25:14**
